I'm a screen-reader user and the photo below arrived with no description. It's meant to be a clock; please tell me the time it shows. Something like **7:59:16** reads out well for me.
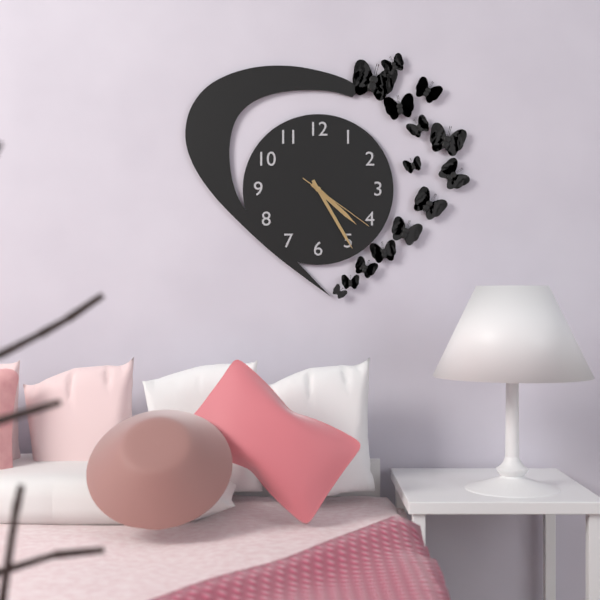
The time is **4:25:21**
